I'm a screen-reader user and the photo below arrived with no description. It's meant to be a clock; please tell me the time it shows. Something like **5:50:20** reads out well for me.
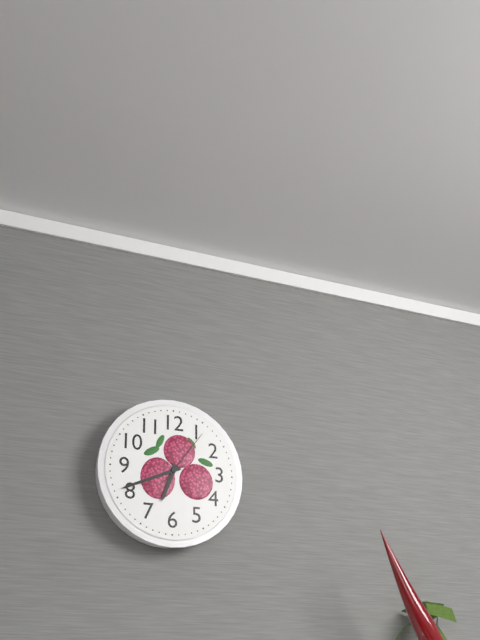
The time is **6:41:06**
